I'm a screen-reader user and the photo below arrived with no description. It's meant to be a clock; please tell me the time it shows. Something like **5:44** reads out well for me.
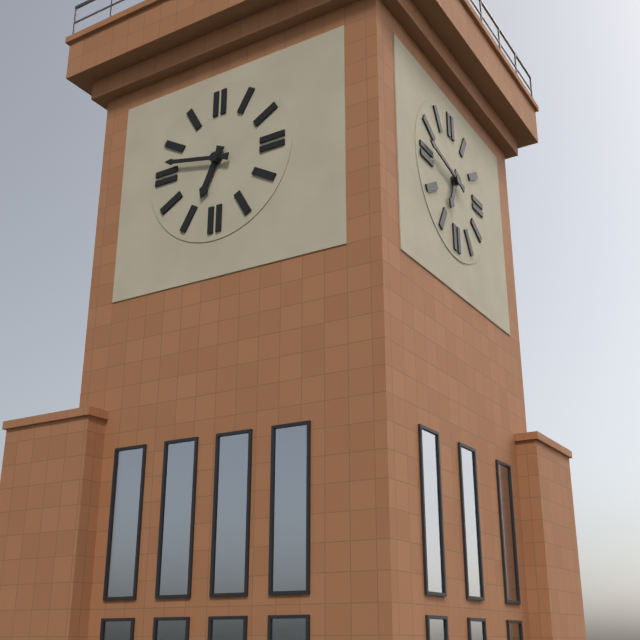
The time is **6:47**
